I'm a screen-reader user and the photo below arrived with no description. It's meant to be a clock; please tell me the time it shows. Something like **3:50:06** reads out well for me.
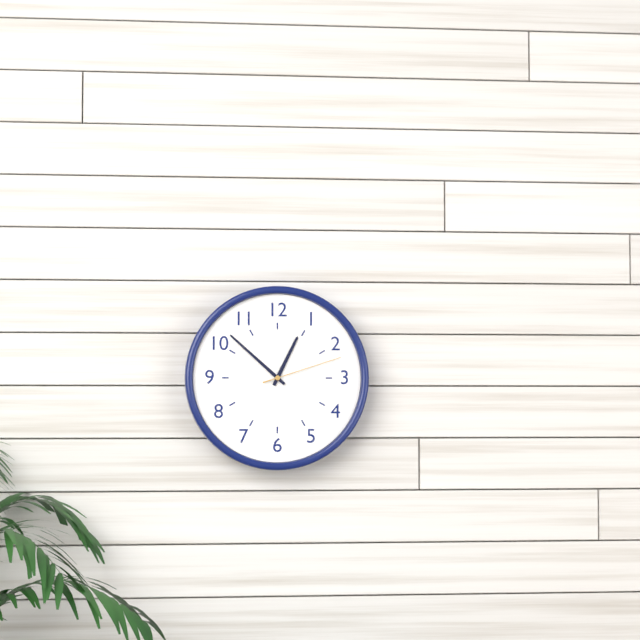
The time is **12:52:12**
